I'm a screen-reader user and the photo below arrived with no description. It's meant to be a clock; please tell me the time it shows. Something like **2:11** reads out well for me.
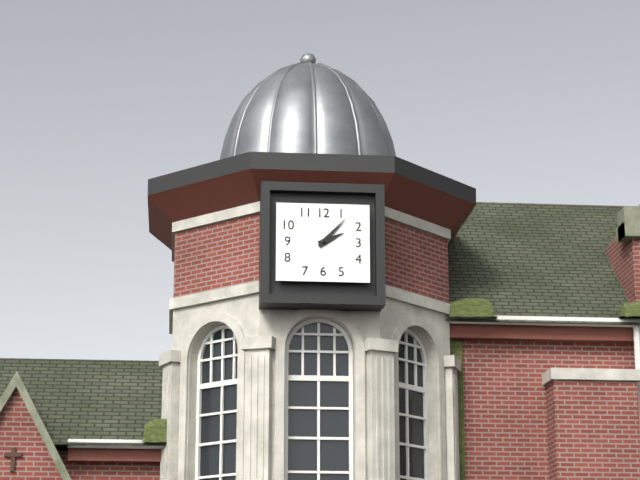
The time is **2:07**
